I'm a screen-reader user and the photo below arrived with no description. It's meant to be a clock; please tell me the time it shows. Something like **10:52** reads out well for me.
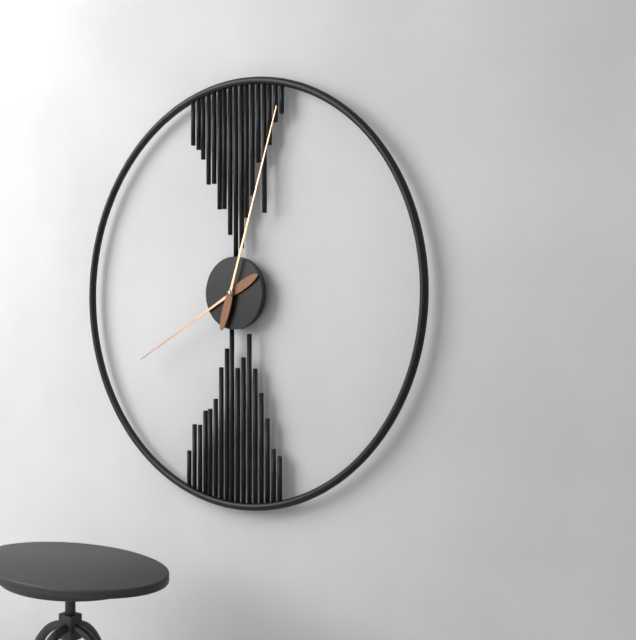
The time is **8:03**
